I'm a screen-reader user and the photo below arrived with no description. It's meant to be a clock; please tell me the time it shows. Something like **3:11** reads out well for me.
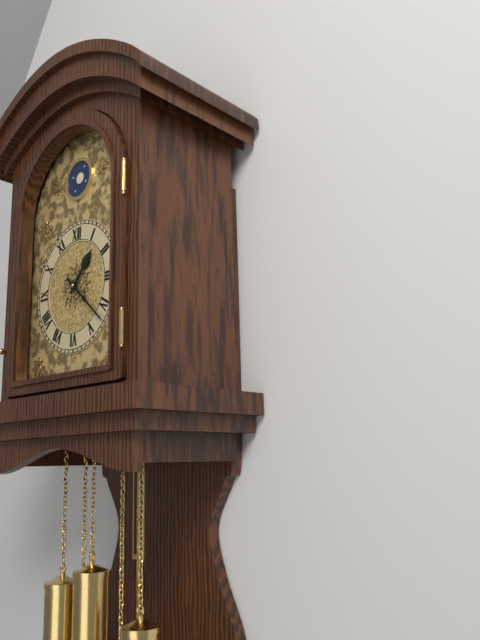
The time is **1:22**
